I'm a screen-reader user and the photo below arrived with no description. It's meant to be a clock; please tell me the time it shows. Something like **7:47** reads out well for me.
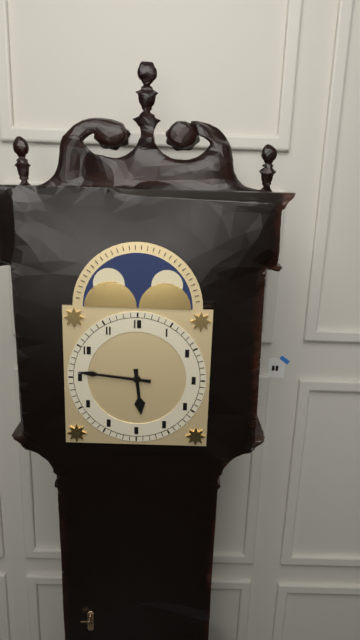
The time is **5:46**
